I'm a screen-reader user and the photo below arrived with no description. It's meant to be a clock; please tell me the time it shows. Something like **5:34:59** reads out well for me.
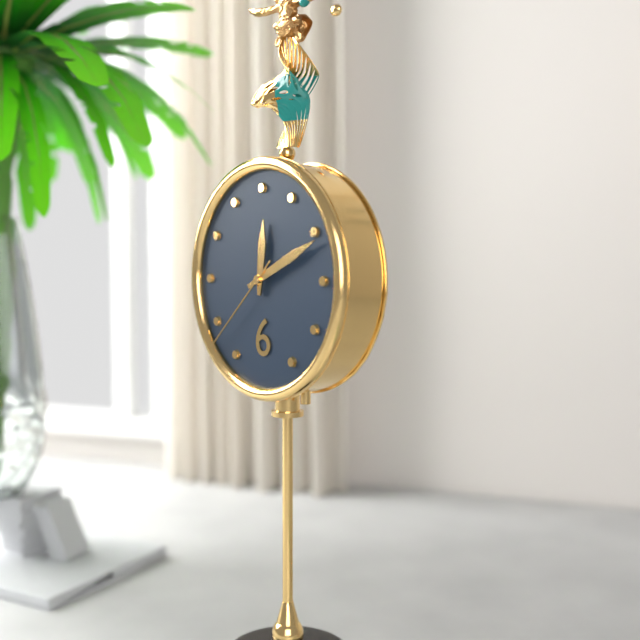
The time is **12:11:38**
